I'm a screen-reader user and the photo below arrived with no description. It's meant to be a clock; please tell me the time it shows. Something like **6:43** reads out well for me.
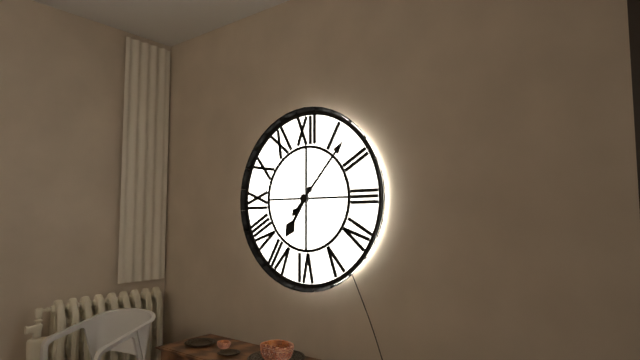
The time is **7:07**
